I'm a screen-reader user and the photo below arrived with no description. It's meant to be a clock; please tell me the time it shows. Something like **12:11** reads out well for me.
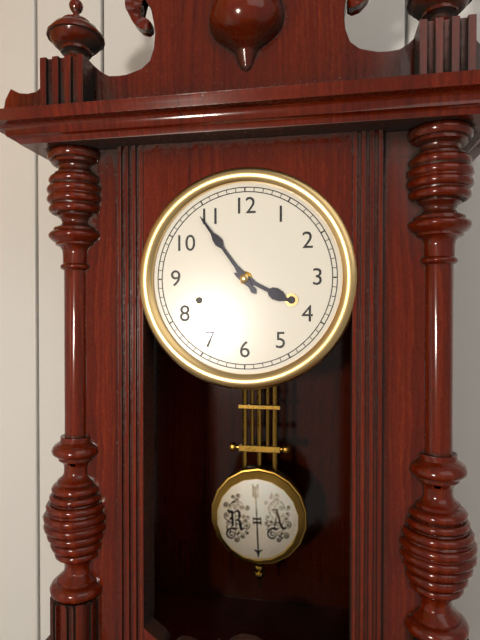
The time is **3:54**
